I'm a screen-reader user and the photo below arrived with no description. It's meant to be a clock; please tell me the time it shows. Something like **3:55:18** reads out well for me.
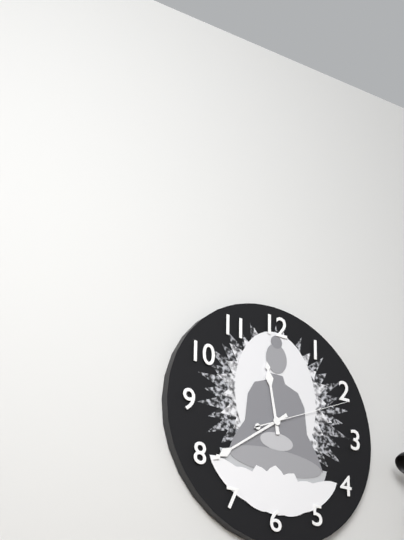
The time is **11:39:11**
